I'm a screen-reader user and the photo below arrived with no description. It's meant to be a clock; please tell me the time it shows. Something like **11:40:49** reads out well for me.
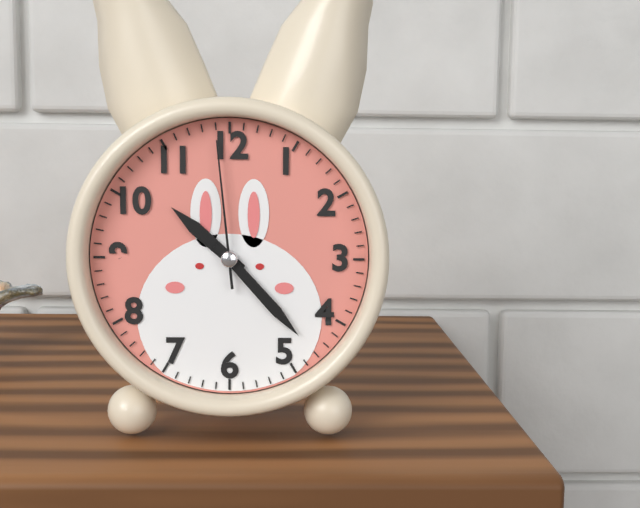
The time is **10:23:59**
